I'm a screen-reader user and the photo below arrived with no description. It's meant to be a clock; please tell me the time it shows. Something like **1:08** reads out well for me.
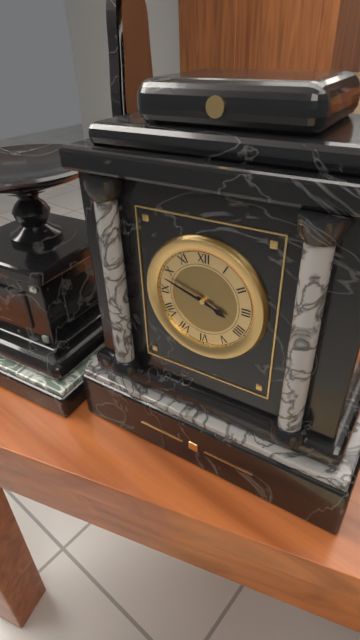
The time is **3:48**
